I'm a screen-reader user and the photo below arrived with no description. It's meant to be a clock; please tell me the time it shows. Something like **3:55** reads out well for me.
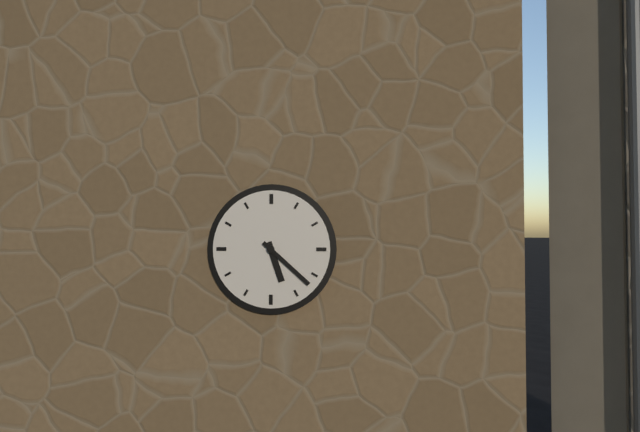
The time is **5:22**
